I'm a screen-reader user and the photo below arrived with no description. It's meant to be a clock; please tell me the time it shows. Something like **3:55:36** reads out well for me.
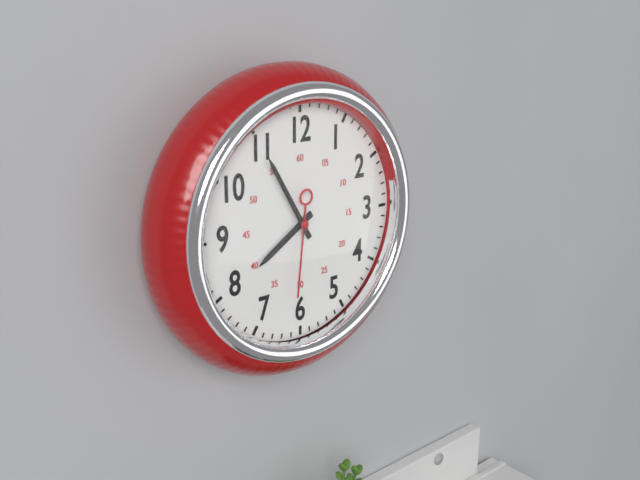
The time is **7:55:31**
